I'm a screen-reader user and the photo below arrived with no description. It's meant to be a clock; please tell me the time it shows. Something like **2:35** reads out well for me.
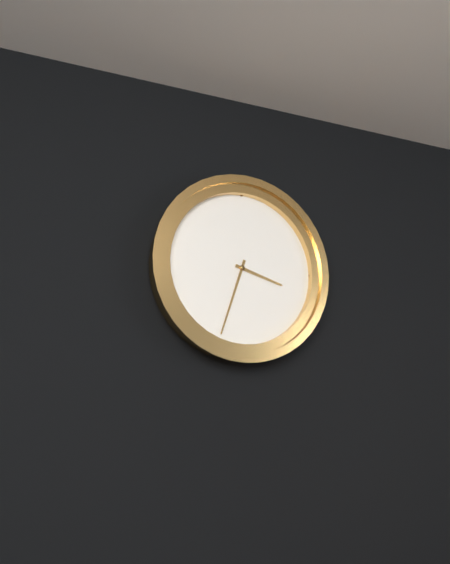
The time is **3:33**
